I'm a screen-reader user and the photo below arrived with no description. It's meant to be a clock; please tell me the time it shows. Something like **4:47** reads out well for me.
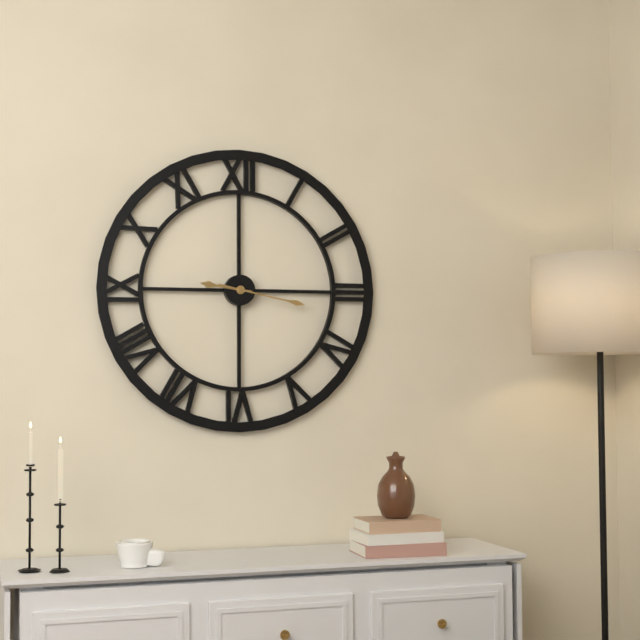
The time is **9:17**
